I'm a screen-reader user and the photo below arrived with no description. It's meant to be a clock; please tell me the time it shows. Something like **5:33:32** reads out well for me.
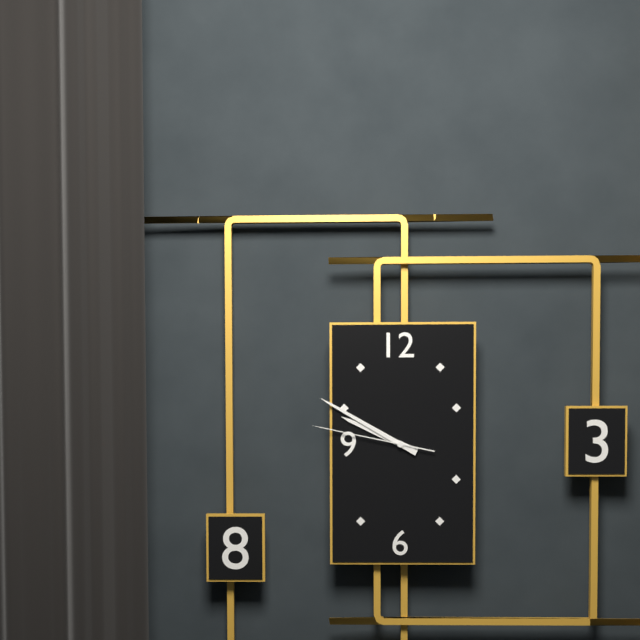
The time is **9:50:47**
